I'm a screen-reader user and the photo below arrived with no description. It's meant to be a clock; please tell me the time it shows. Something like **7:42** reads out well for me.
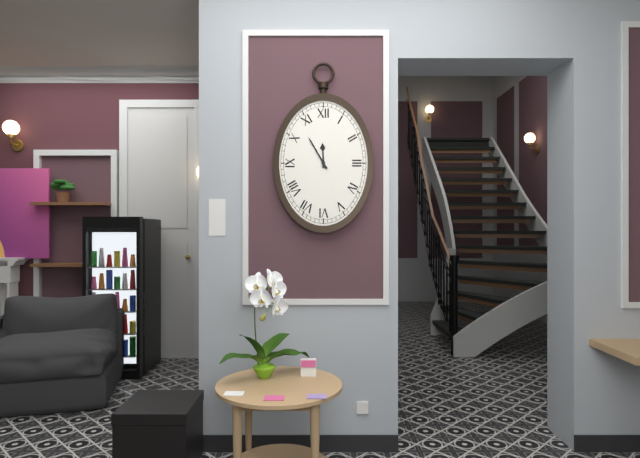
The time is **11:55**
